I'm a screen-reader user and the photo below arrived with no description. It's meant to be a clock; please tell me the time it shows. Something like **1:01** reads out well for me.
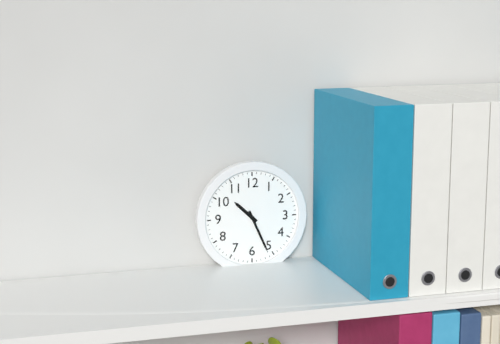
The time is **10:26**
